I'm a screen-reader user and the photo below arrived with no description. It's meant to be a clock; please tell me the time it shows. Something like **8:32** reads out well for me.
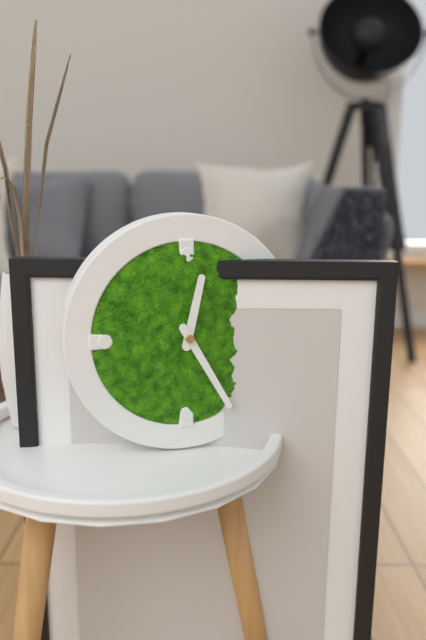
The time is **12:25**
